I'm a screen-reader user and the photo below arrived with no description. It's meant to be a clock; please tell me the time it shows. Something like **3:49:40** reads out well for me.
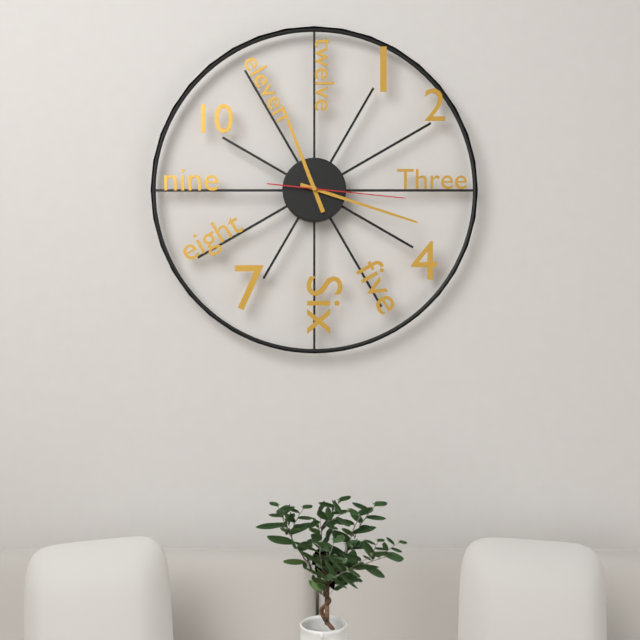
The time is **11:18:16**
